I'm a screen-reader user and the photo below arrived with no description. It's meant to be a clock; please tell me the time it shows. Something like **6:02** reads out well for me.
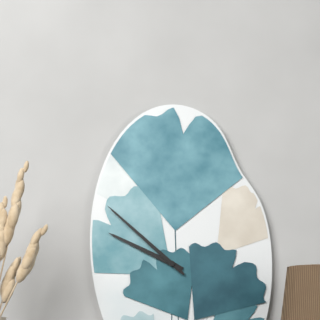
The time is **9:52**
